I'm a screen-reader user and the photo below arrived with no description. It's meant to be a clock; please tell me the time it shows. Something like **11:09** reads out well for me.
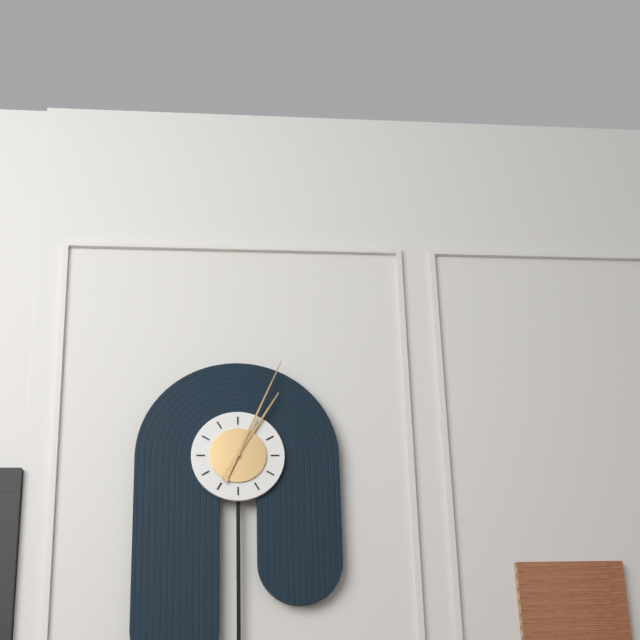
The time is **1:04**
